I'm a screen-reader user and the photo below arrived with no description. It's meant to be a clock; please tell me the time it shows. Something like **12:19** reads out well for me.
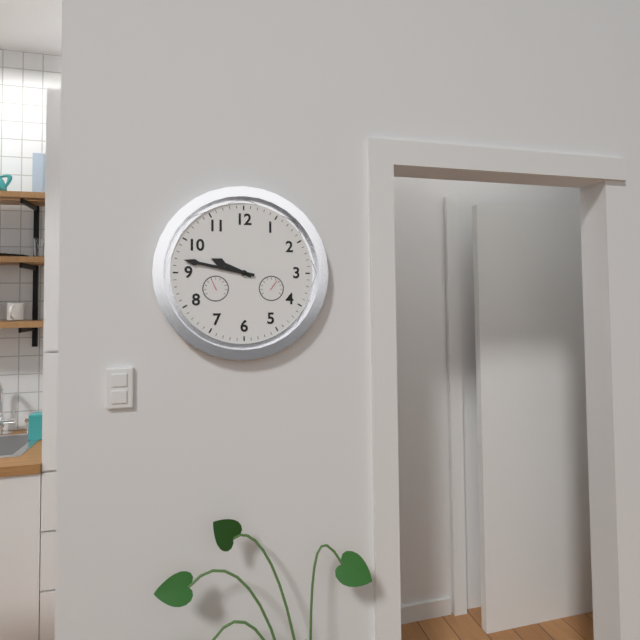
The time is **9:47**
